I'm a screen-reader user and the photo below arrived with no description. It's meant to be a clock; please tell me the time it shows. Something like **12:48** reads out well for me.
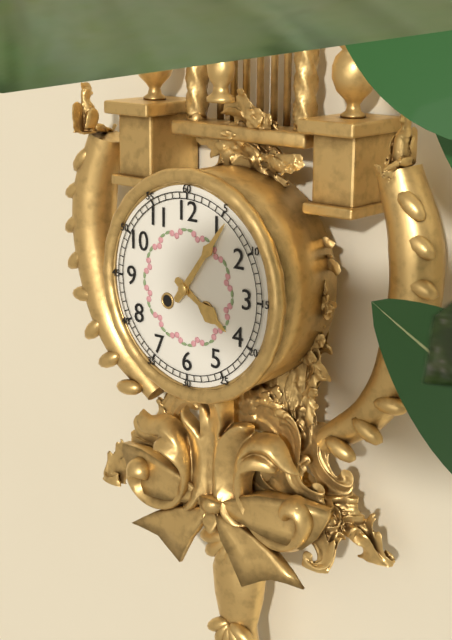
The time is **4:06**
